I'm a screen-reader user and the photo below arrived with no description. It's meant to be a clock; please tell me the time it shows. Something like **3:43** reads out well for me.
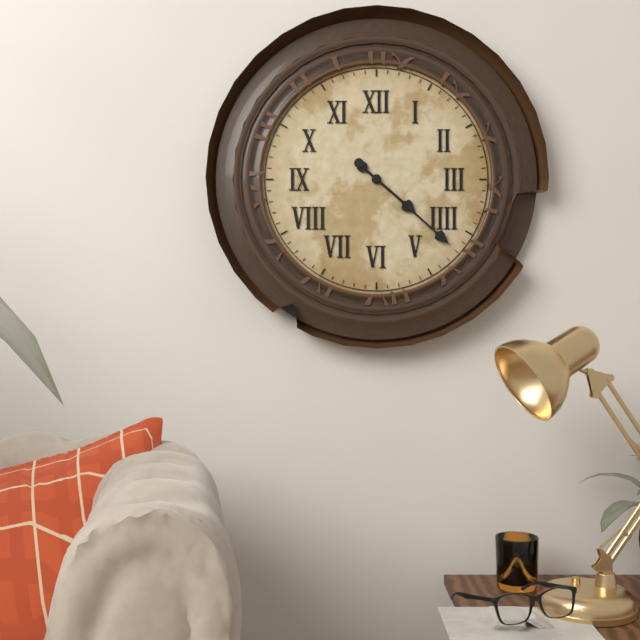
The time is **4:22**
